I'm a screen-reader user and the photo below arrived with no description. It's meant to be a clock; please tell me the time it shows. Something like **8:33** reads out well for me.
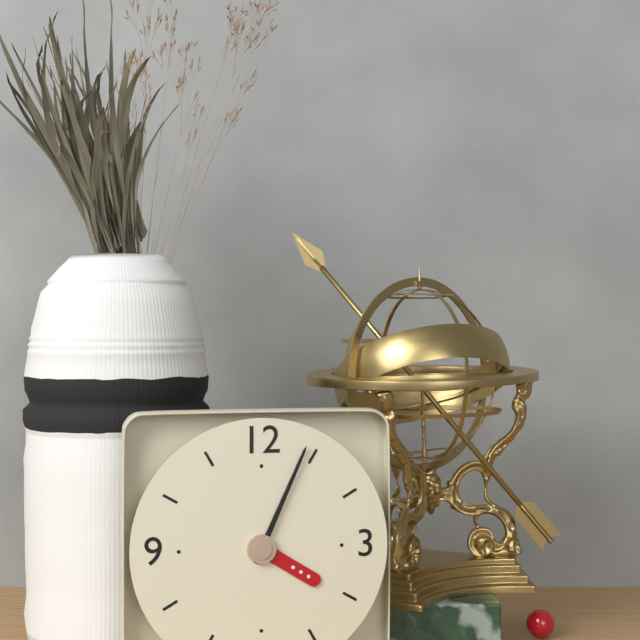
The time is **4:04**
